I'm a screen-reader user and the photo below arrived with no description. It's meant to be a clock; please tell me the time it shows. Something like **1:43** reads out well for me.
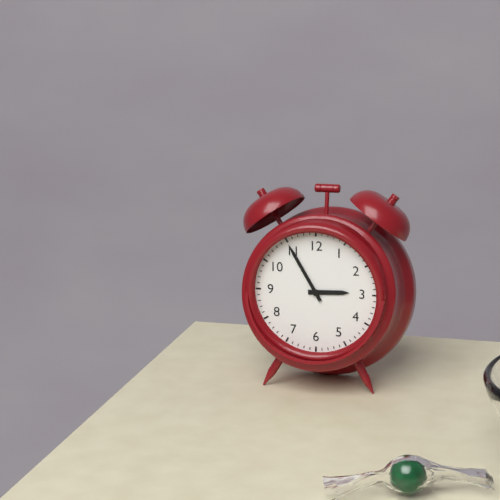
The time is **2:55**
